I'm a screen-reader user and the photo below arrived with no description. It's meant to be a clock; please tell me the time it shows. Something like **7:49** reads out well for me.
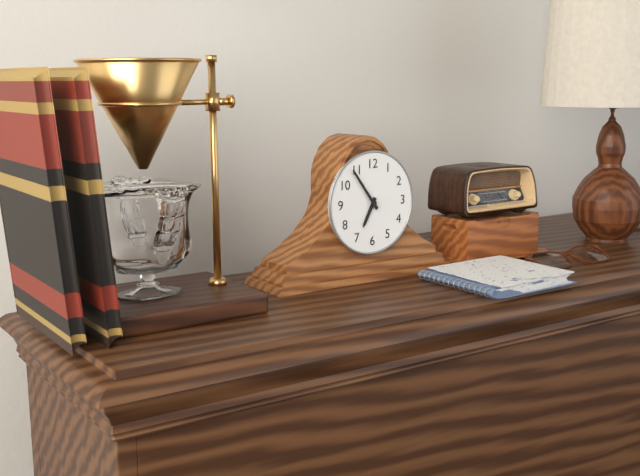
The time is **6:54**
